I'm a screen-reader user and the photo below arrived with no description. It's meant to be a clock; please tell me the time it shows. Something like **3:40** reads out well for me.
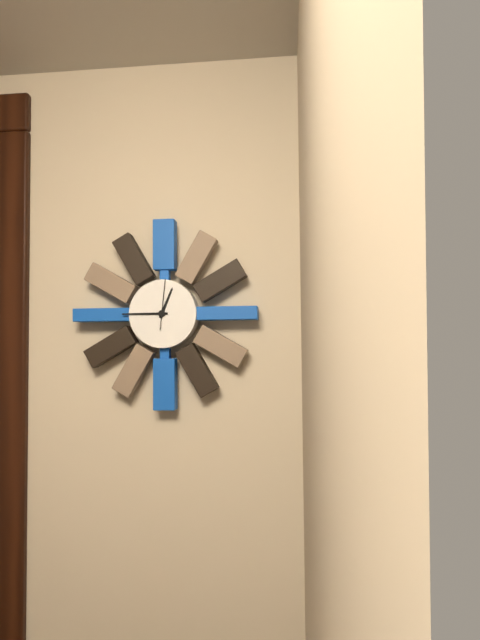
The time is **12:45**
